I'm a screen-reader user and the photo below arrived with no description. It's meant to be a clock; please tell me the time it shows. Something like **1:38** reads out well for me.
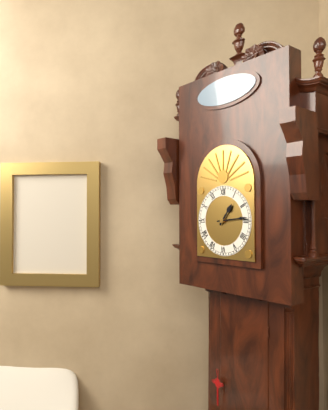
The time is **1:14**
